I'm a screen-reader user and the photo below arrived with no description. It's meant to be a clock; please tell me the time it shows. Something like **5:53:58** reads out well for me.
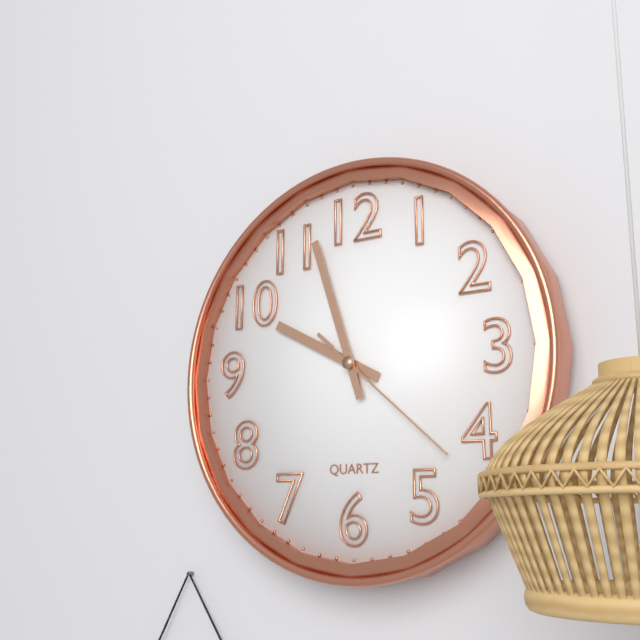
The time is **9:57:22**
